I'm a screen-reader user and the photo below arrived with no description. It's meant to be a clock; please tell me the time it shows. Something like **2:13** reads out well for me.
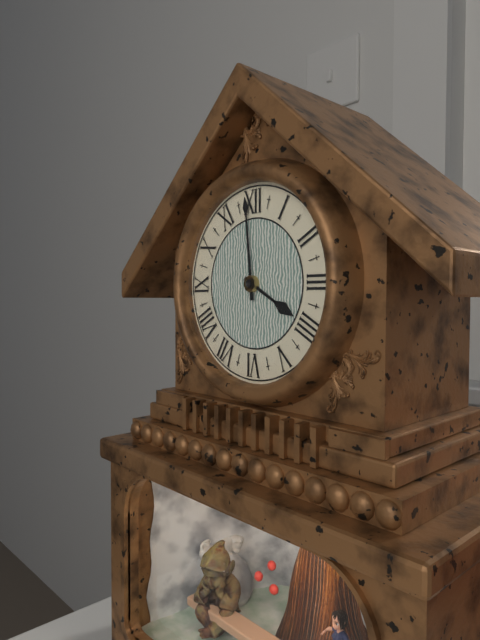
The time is **3:59**
